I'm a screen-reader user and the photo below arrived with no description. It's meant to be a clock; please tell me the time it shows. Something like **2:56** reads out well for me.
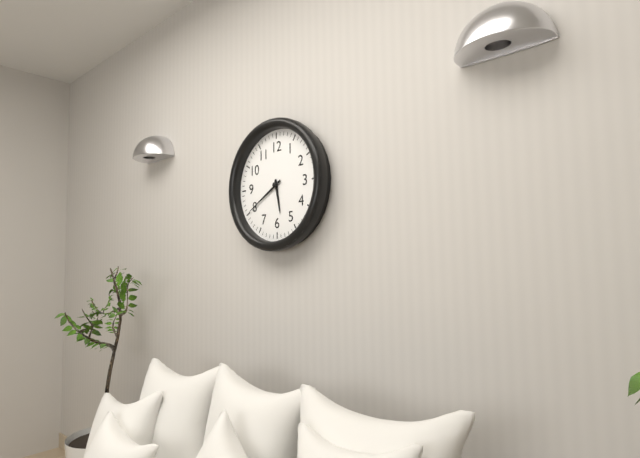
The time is **5:40**
